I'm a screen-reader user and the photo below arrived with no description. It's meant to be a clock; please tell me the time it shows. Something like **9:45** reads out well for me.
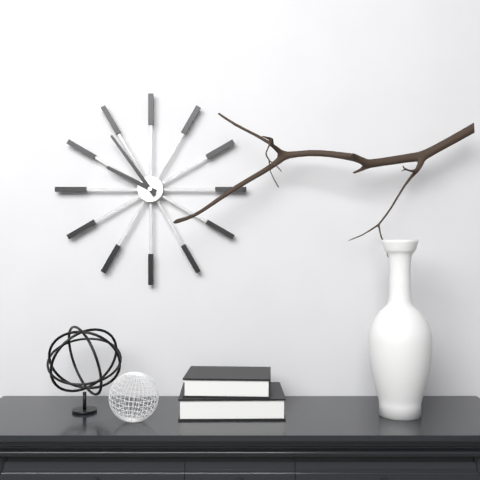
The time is **9:54**
